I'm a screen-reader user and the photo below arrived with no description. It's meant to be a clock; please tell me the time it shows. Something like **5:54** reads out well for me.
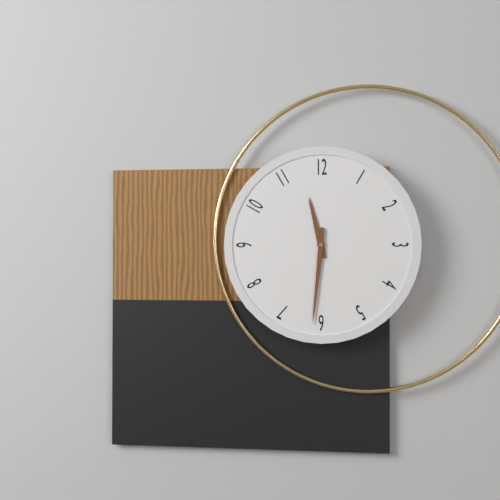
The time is **11:31**
